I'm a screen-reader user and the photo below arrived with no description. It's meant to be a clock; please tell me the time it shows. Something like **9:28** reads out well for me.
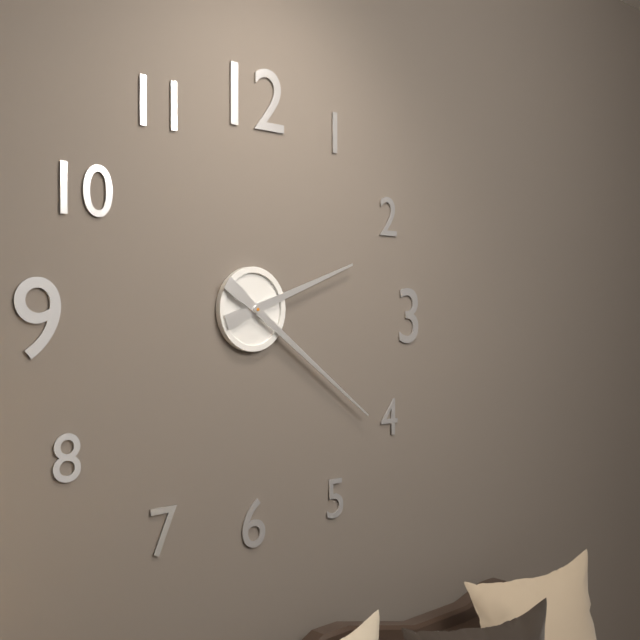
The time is **2:21**
